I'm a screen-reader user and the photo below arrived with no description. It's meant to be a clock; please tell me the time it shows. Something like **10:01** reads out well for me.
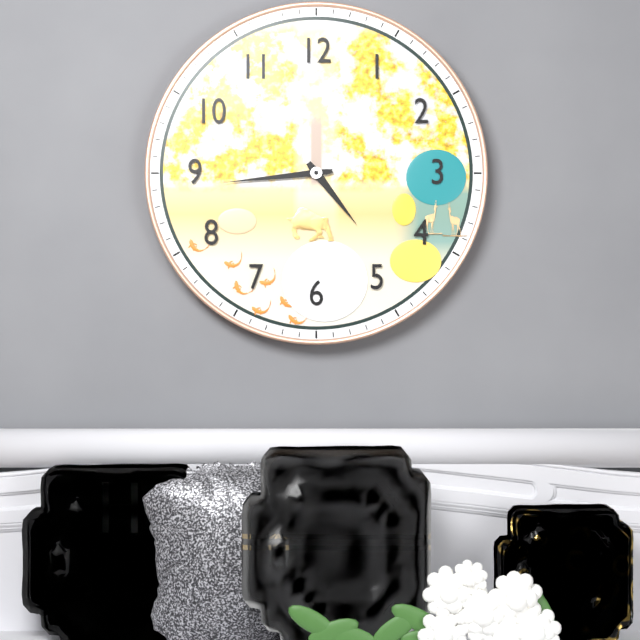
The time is **4:44**
